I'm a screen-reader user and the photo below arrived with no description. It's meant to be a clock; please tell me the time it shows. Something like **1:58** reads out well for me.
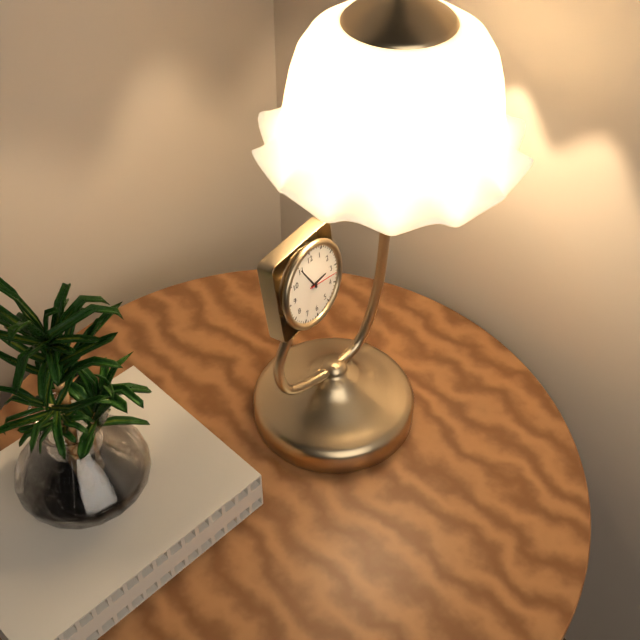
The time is **2:55**
